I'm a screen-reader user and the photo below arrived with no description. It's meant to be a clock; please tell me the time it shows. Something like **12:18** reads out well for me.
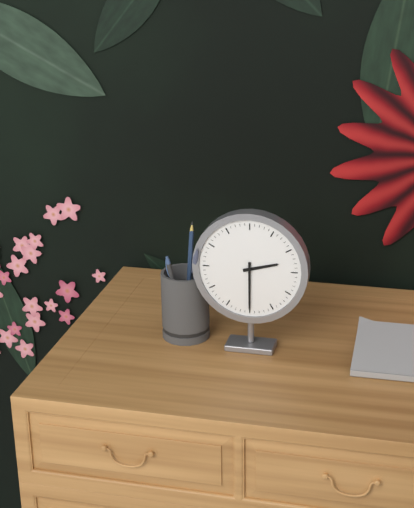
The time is **2:30**
